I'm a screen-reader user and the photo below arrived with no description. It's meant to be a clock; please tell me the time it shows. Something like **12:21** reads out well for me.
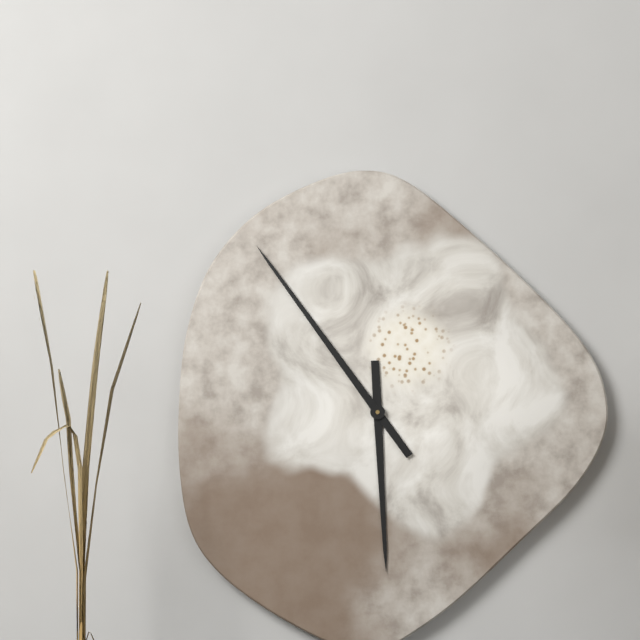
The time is **5:54**
